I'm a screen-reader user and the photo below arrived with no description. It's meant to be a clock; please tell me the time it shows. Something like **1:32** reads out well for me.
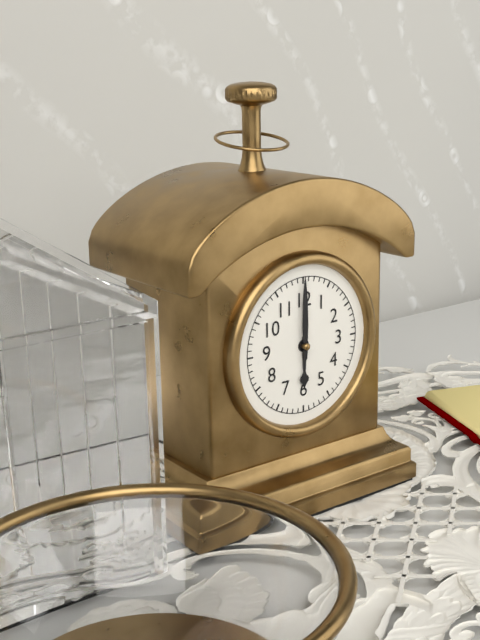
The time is **6:00**
